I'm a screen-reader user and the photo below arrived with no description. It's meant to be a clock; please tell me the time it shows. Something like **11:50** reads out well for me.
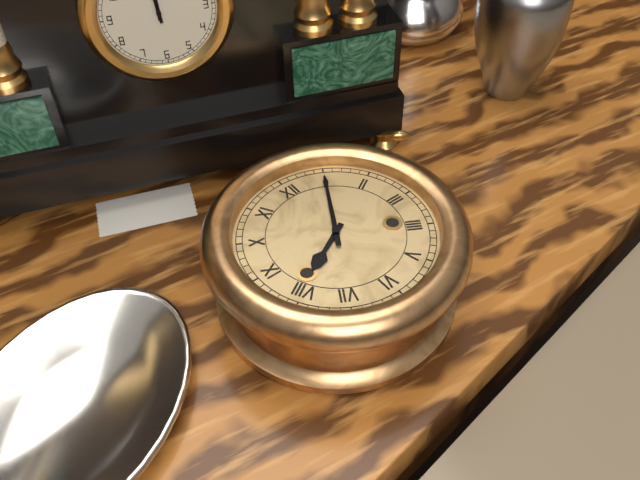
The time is **8:05**
